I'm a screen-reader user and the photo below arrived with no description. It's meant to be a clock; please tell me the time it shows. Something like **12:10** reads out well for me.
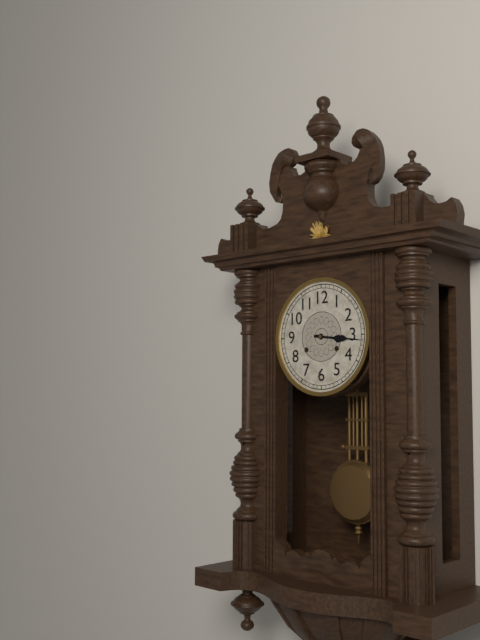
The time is **3:16**
